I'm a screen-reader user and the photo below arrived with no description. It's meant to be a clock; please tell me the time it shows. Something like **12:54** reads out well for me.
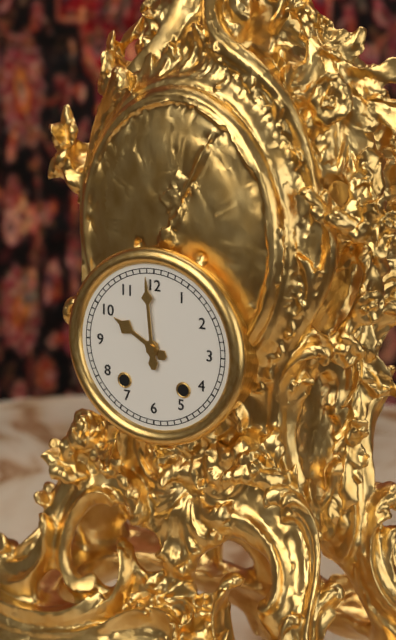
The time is **9:59**
